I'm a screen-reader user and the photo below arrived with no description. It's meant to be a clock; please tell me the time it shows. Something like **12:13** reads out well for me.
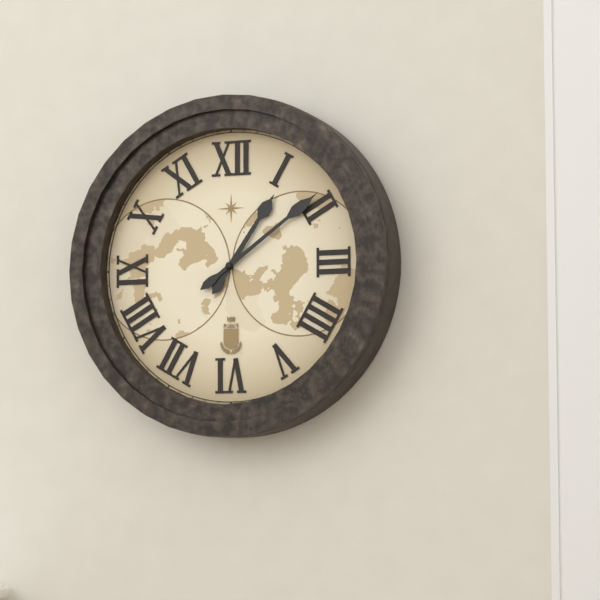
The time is **1:09**
